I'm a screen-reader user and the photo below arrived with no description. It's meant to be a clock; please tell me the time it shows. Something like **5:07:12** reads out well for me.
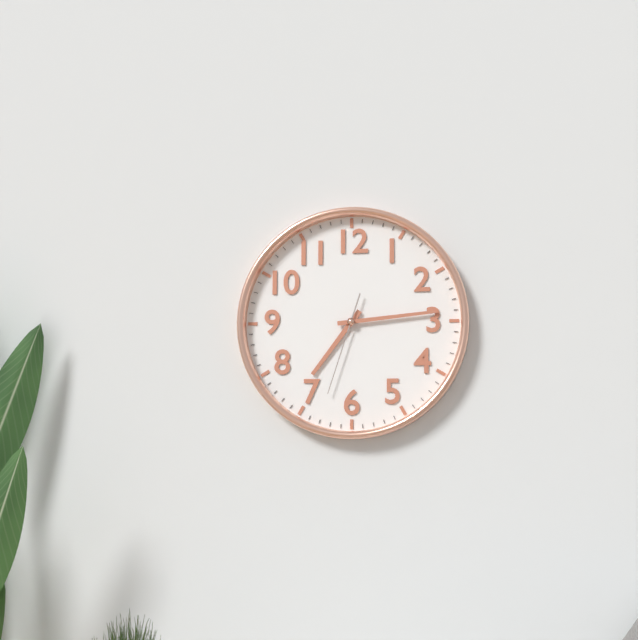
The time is **7:14:33**
